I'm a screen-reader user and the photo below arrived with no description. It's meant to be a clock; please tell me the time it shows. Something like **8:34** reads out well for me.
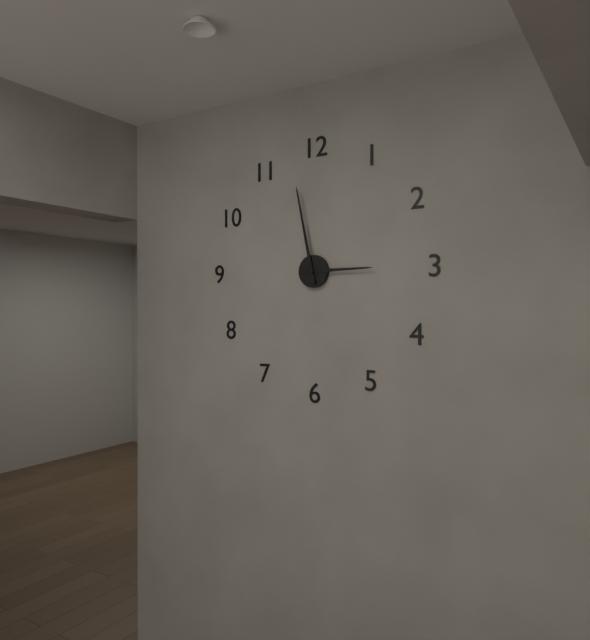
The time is **2:58**
